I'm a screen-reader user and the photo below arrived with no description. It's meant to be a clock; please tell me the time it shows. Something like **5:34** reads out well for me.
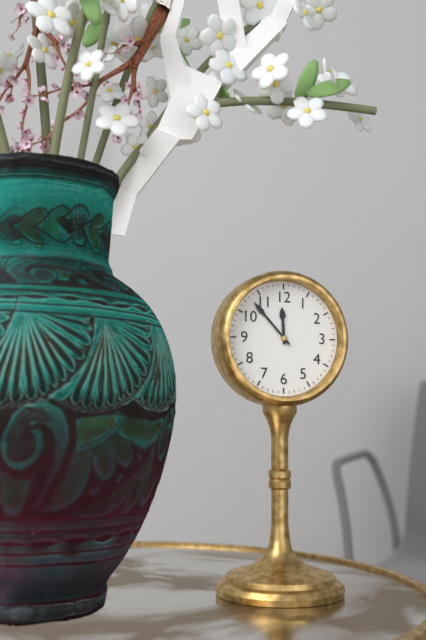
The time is **11:53**
